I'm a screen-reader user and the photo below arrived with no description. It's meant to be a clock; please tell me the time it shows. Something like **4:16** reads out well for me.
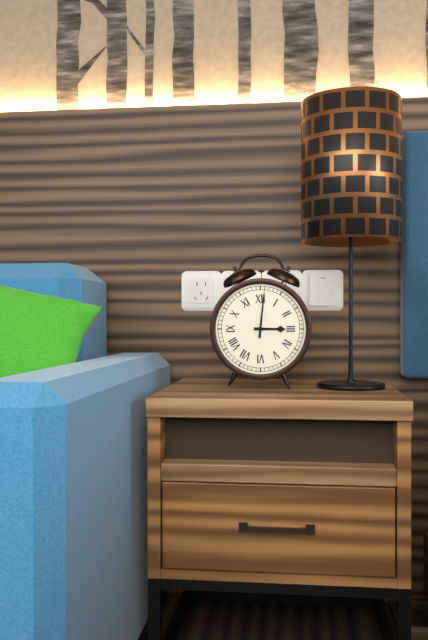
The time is **3:01**
